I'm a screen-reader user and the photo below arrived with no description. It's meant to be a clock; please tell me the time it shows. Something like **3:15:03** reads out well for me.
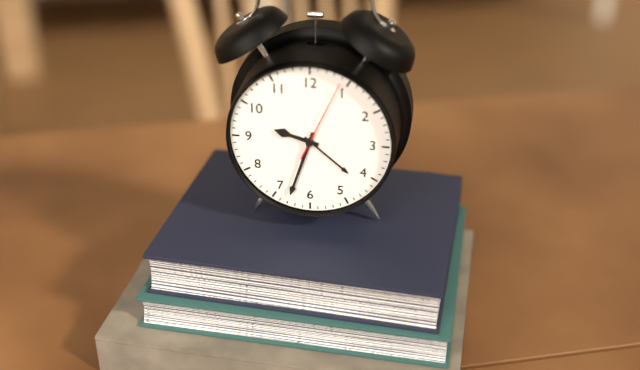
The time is **9:33:04**
